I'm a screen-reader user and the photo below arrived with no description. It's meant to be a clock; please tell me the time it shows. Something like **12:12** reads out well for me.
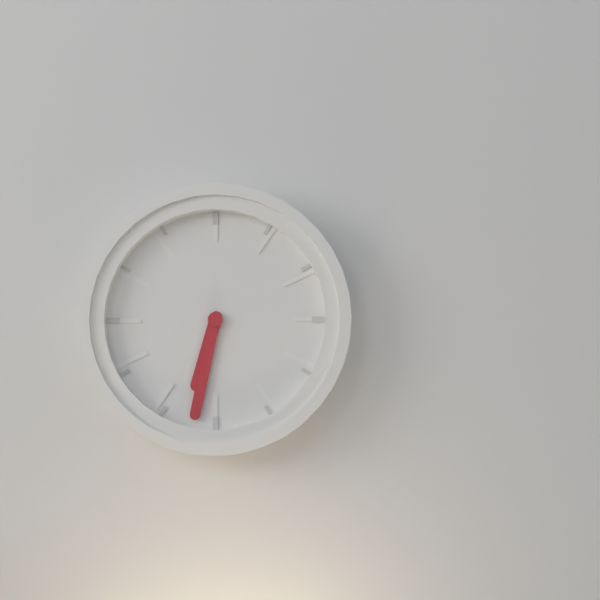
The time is **6:32**
